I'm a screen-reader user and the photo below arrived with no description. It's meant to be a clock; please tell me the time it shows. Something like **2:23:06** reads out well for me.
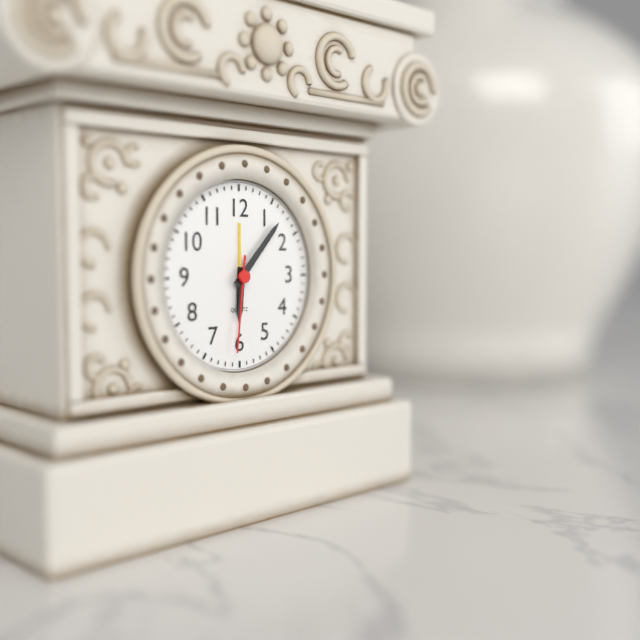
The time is **6:07:31**
